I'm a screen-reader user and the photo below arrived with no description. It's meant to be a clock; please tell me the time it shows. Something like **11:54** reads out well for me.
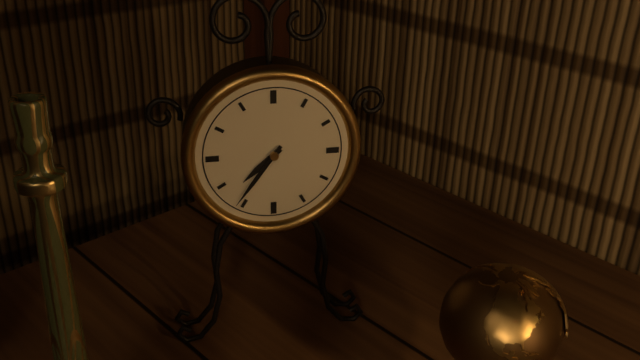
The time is **7:36**
